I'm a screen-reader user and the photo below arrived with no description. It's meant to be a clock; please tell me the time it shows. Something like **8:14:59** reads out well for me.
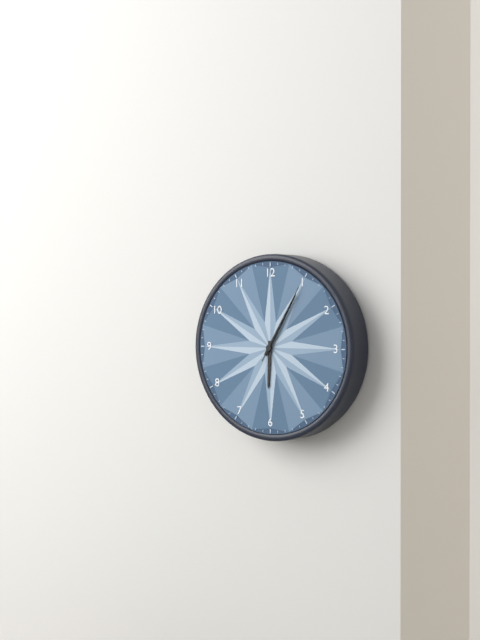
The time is **6:05:05**
